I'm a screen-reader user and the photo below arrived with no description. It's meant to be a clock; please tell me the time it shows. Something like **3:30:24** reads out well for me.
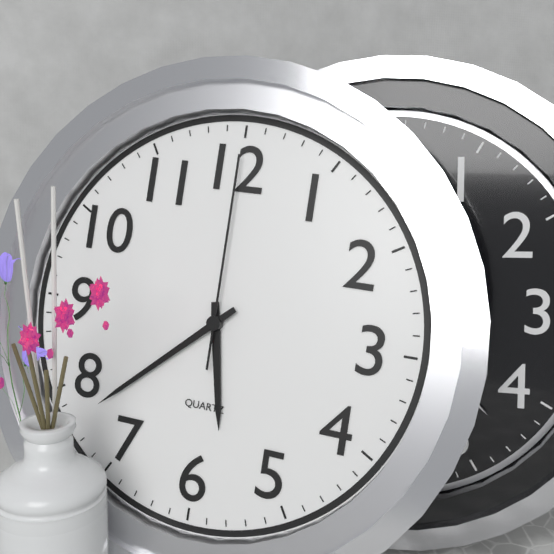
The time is **5:38:00**
